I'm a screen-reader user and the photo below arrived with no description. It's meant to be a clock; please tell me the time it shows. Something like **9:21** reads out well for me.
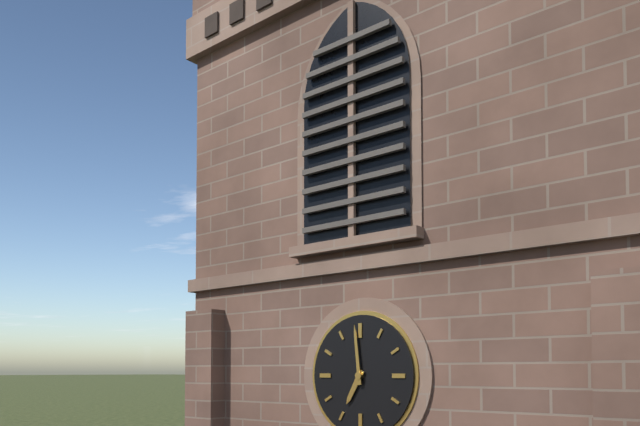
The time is **6:59**
